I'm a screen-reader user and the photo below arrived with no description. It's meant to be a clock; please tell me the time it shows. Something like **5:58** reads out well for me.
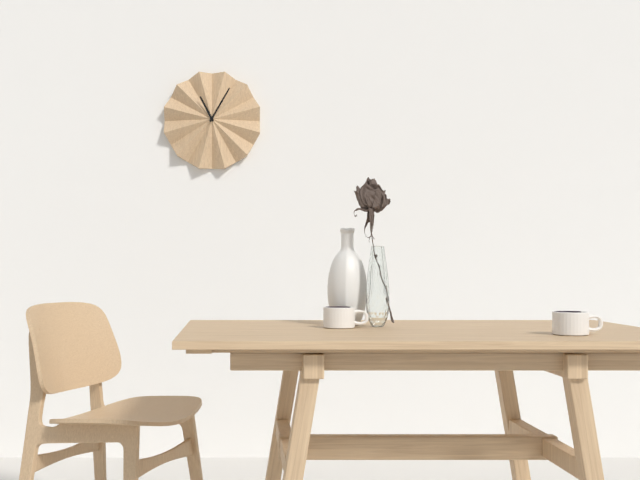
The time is **11:05**
